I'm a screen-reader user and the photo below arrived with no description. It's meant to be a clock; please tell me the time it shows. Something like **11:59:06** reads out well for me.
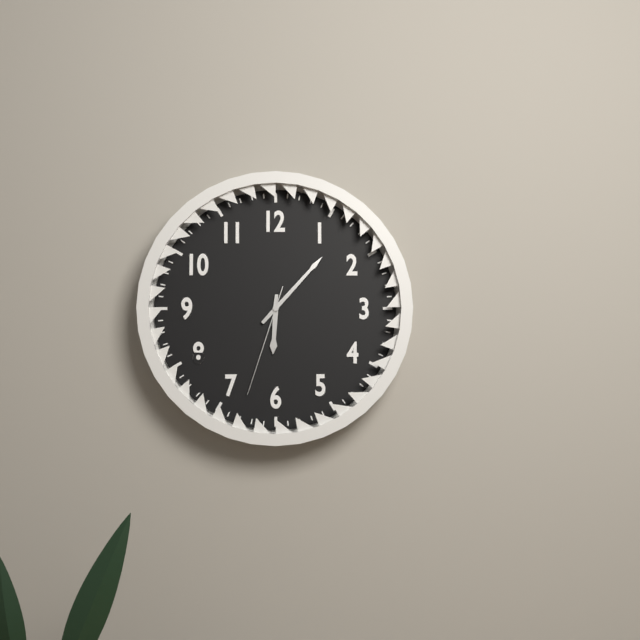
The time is **6:07:33**
